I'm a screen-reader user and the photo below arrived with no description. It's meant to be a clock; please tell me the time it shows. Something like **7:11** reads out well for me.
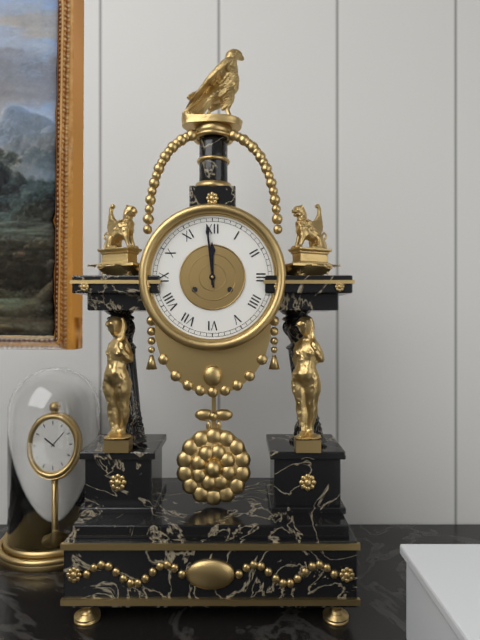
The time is **11:59**
